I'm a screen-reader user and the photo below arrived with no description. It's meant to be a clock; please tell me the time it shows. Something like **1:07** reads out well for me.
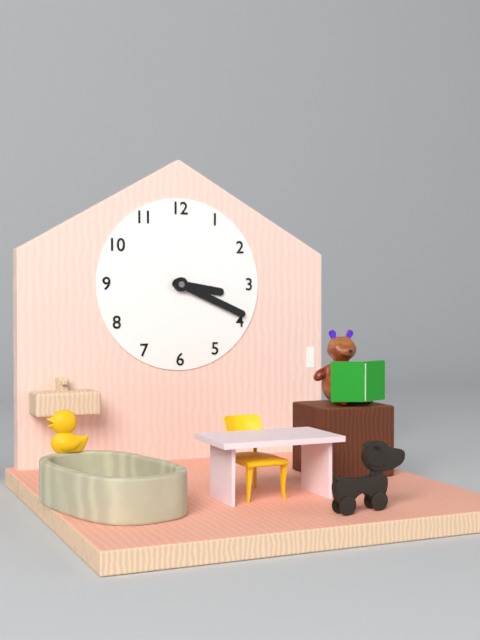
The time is **3:19**
